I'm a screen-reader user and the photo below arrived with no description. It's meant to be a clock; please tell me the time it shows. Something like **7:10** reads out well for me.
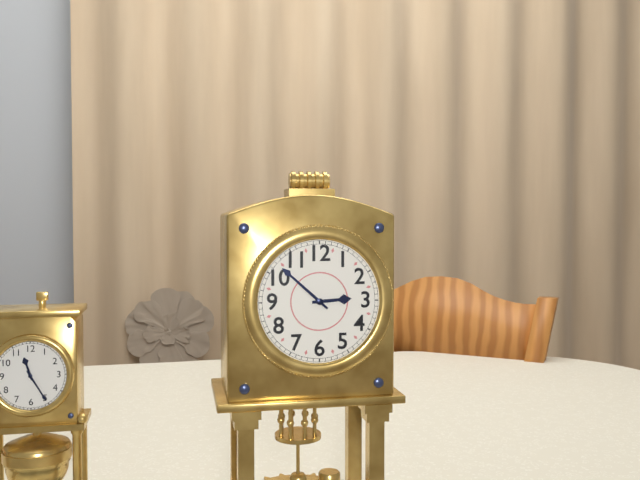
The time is **2:52**
